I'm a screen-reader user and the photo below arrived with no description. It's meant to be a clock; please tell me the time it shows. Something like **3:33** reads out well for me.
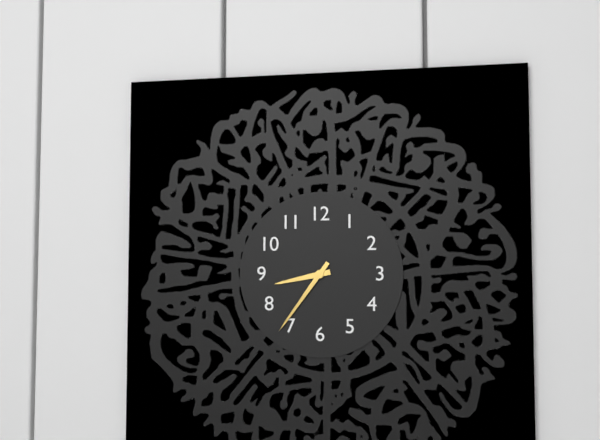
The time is **8:36**
